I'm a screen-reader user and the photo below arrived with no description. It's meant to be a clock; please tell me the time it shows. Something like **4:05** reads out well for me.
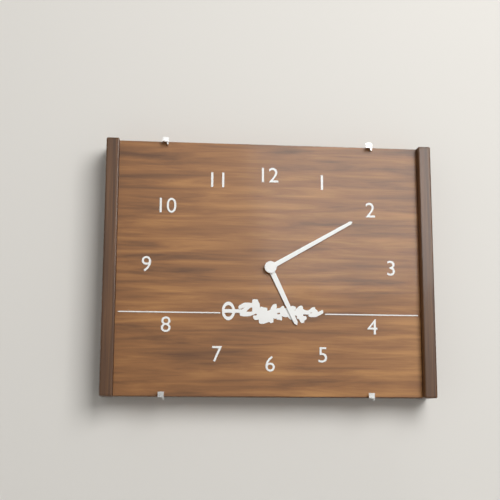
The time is **5:10**
